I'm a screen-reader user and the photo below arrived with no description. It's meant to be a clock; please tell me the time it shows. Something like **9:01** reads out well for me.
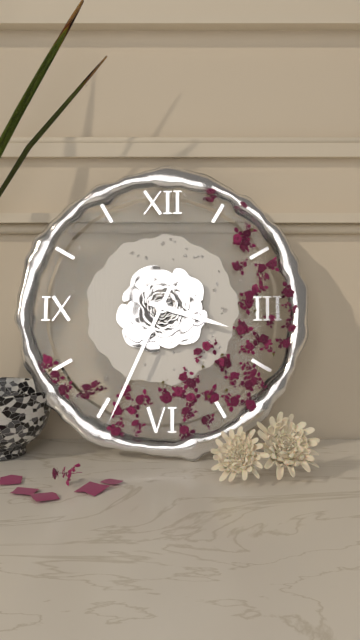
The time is **3:34**
